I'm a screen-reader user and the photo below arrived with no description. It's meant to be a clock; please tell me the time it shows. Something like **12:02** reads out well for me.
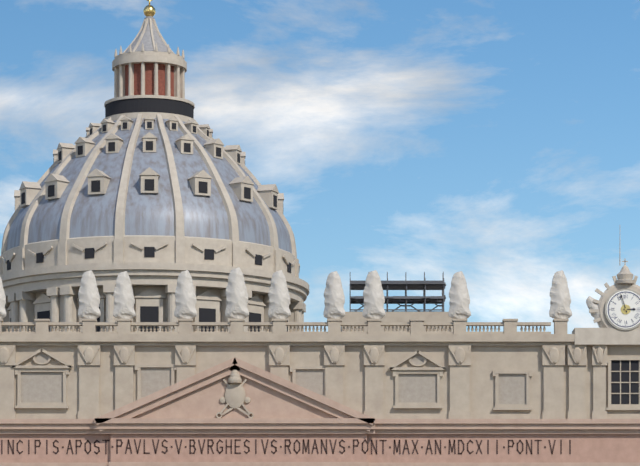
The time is **2:57**
